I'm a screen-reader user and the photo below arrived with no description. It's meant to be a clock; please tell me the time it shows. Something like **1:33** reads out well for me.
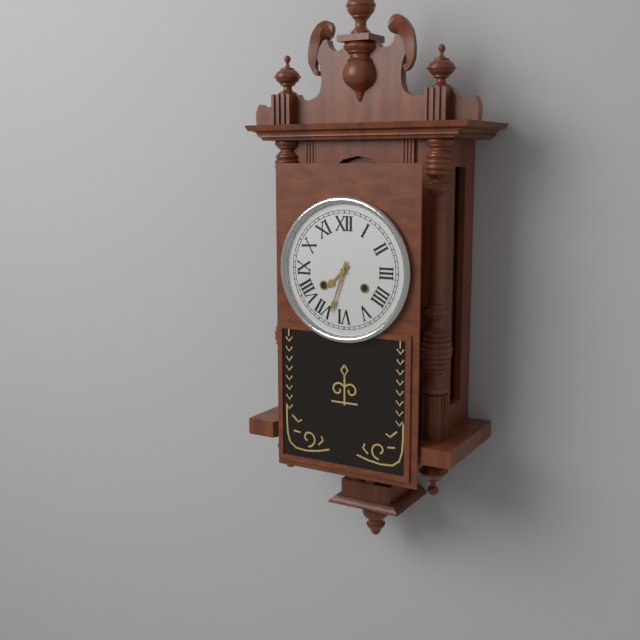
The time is **7:33**
